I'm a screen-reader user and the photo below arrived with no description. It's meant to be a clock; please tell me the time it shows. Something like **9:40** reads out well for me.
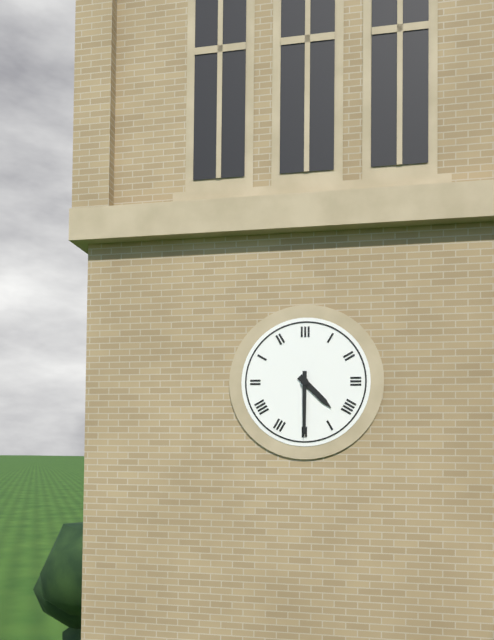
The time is **4:30**
